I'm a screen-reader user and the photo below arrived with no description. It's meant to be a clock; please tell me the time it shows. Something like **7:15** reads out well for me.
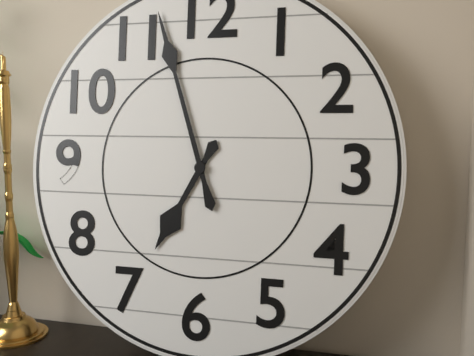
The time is **6:57**
